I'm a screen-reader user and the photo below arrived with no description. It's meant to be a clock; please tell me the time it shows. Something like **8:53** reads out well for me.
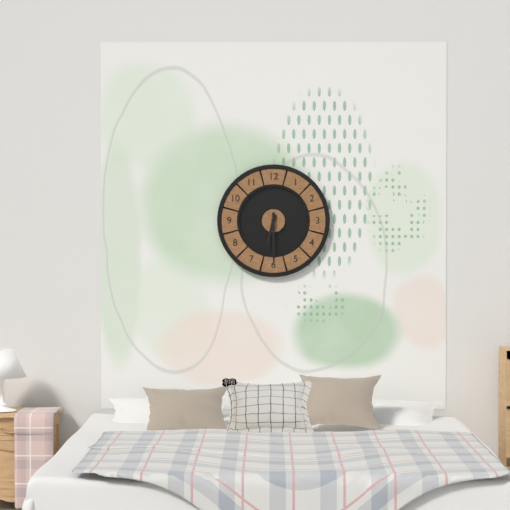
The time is **6:30**
